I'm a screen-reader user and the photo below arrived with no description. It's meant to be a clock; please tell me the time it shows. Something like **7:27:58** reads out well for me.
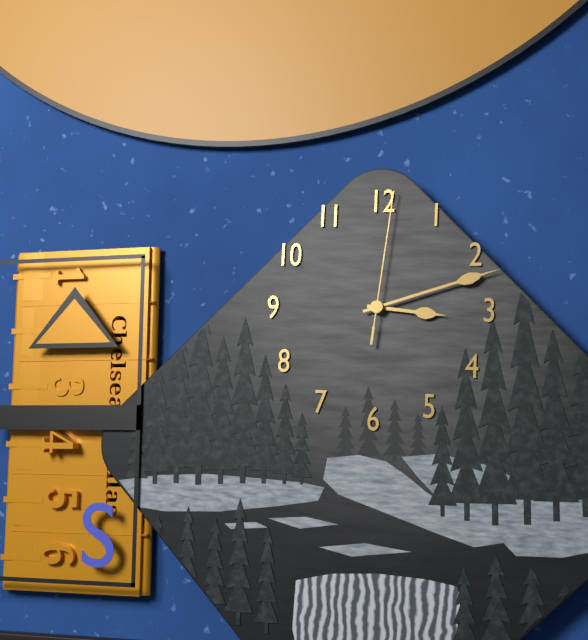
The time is **3:12:01**
